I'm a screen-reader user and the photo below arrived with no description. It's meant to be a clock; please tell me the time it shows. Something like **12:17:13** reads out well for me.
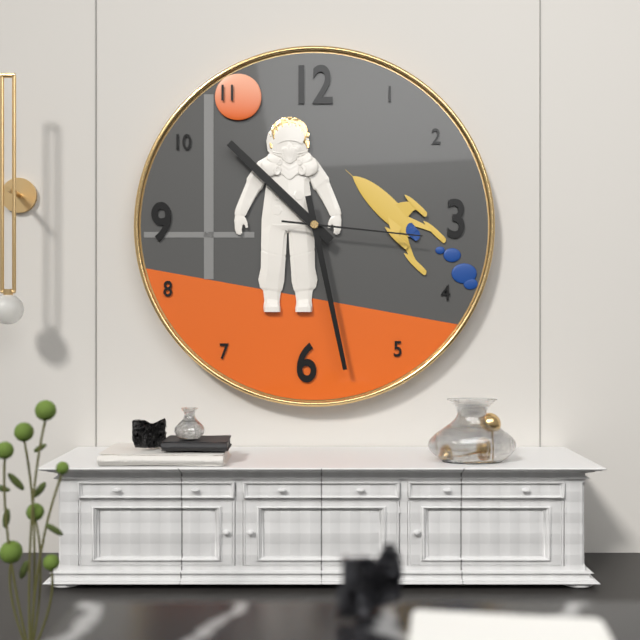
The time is **10:28:16**
